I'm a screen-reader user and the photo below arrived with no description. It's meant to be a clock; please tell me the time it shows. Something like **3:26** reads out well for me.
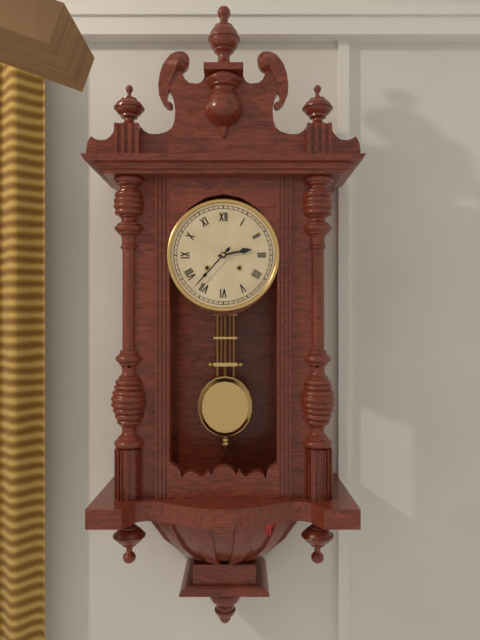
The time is **2:37**
